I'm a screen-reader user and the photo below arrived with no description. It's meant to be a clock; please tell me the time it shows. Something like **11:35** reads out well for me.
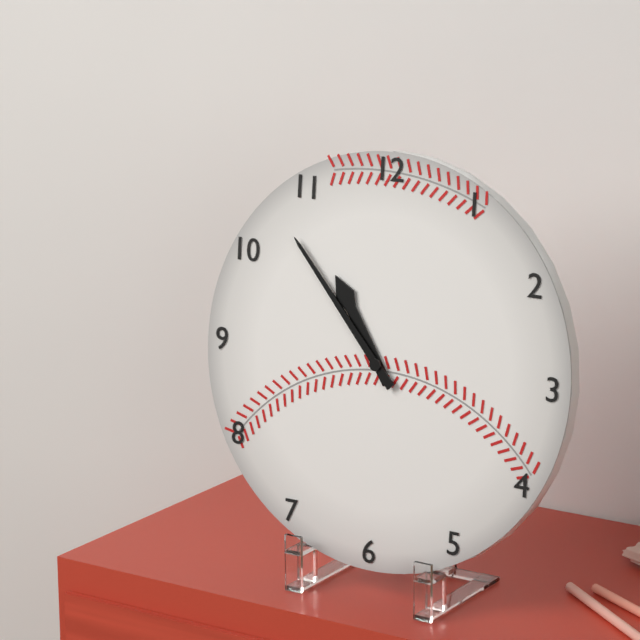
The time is **10:53**
